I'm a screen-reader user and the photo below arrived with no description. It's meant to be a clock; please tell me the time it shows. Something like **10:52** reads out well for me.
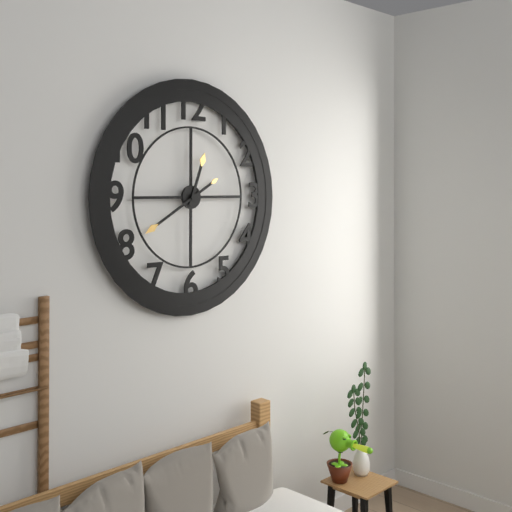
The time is **12:40**
